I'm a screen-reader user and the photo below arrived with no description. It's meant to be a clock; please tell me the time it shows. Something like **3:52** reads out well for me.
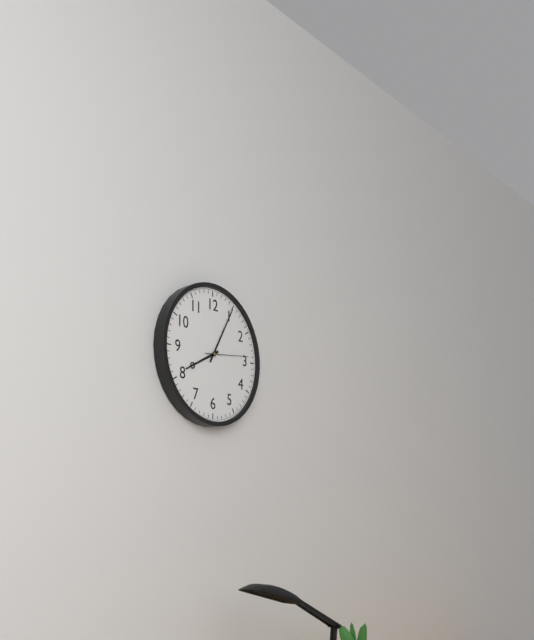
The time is **8:05**
